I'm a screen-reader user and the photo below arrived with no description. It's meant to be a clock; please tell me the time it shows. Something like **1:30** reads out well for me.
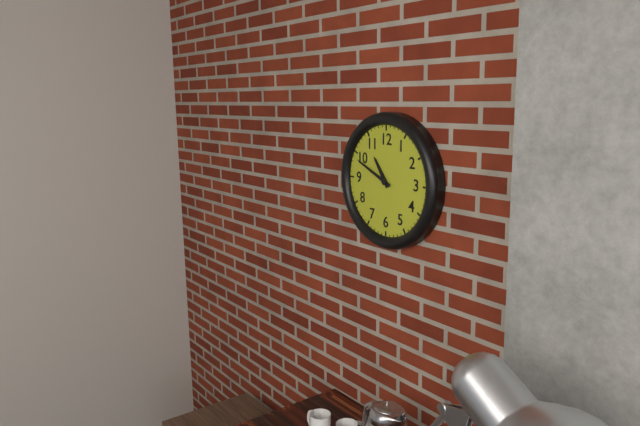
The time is **10:49**
